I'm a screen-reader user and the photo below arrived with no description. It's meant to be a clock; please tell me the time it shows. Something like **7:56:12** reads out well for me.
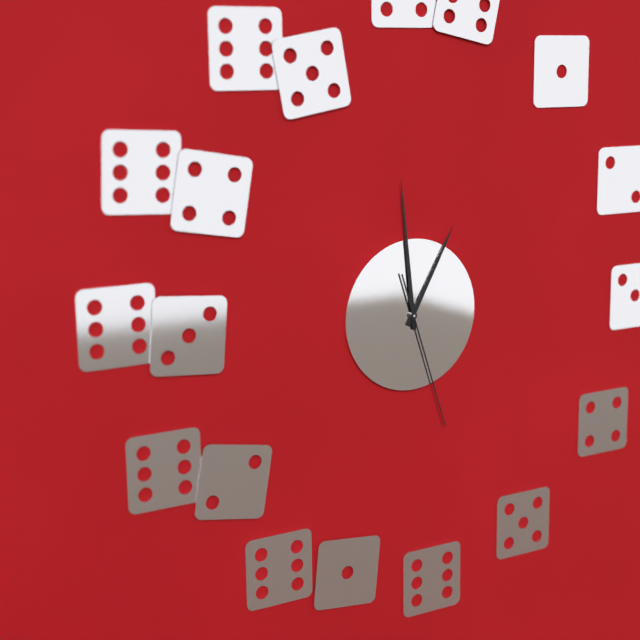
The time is **12:59:27**
